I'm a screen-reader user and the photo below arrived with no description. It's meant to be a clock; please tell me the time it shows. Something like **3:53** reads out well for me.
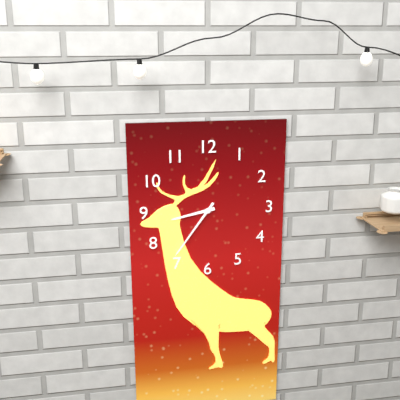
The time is **8:36**
